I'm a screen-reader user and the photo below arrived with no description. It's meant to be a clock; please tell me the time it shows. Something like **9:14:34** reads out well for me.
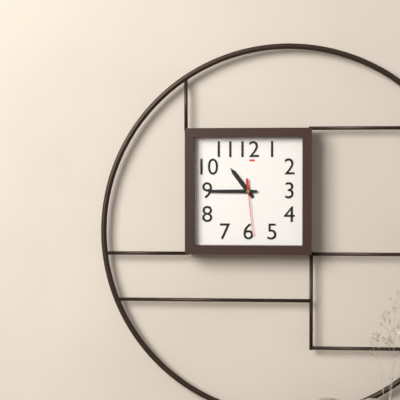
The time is **10:45:29**
